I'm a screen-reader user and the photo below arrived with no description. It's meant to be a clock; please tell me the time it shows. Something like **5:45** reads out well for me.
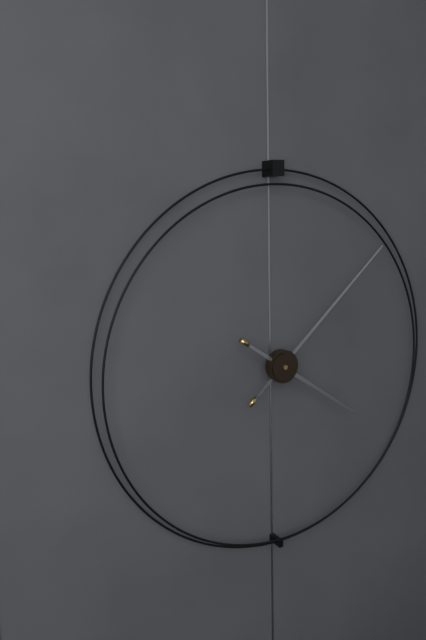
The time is **4:08**
